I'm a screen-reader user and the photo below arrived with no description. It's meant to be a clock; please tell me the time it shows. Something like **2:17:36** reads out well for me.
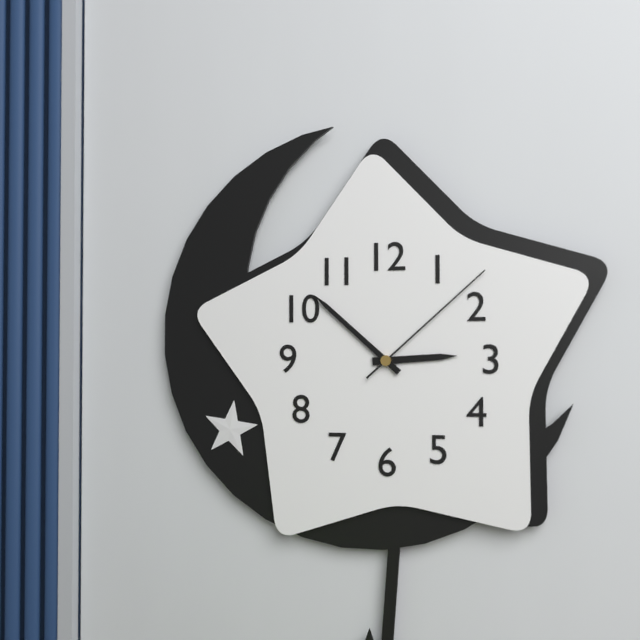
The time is **2:52:08**
